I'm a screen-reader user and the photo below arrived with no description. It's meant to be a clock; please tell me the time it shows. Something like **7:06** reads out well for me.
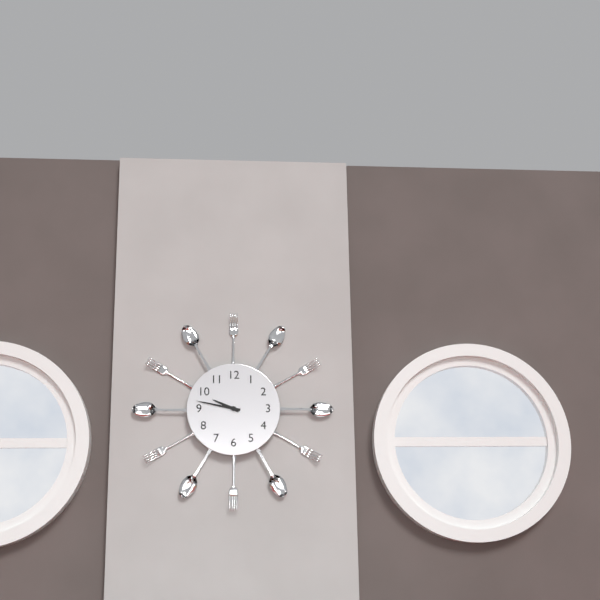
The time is **9:47**
